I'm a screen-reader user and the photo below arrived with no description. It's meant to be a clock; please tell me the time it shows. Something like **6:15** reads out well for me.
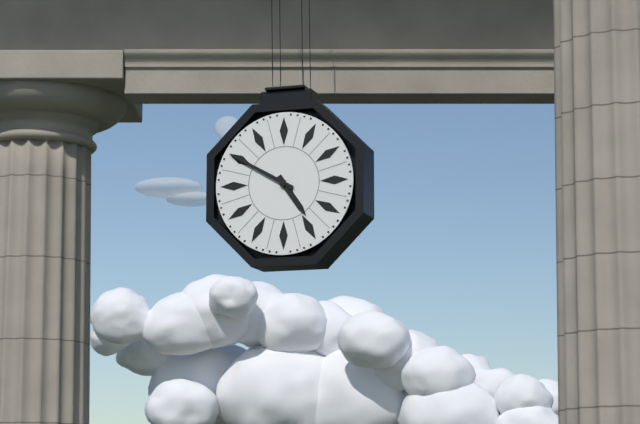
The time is **4:50**
